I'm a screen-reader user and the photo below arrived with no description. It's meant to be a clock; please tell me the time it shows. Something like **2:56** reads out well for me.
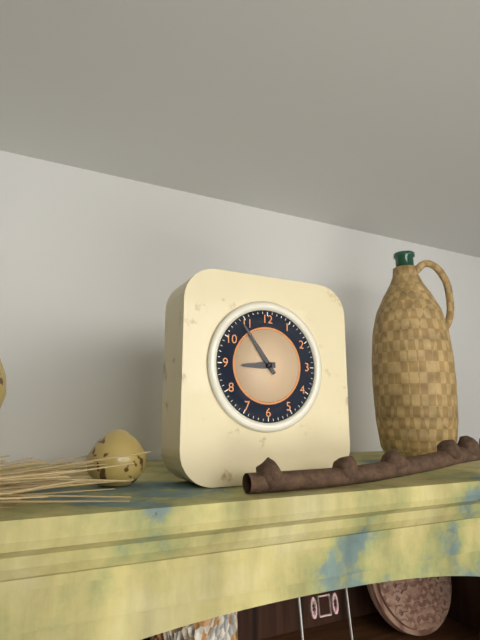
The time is **8:54**
